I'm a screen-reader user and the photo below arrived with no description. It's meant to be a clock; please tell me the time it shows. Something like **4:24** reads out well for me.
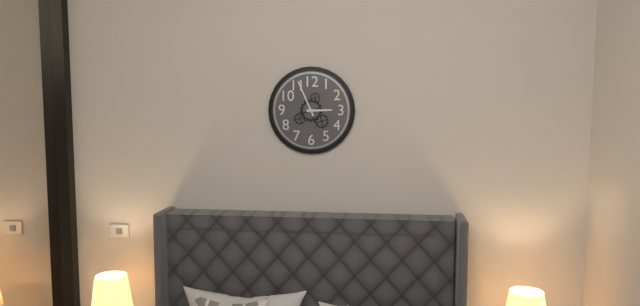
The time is **2:56**
